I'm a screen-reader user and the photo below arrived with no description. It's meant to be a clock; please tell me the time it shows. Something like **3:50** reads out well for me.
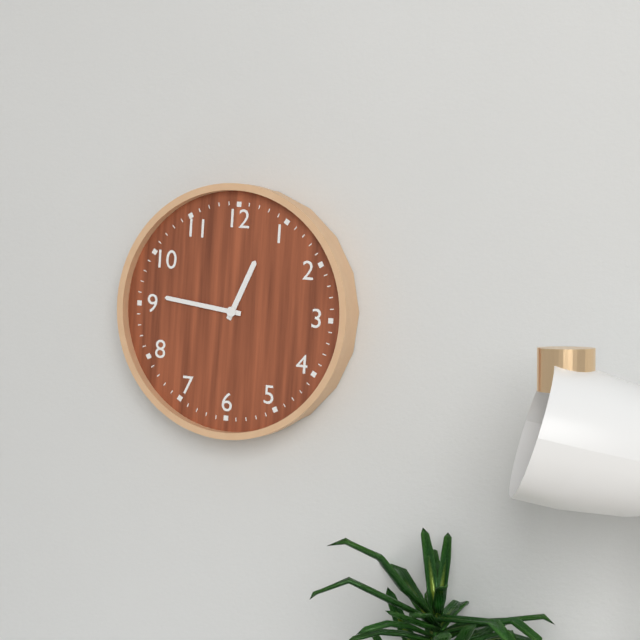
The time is **12:46**
